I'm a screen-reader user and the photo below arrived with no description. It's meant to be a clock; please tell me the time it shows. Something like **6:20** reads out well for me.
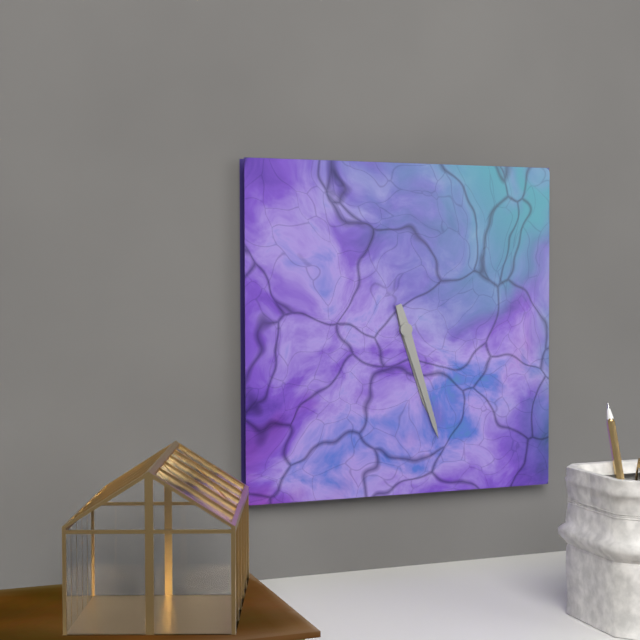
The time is **5:27**
